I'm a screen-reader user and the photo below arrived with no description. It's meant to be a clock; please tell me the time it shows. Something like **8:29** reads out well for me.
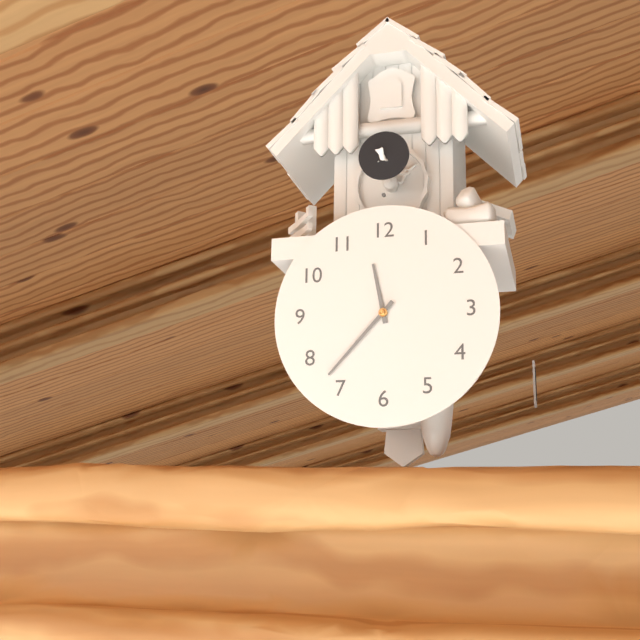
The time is **11:37**
